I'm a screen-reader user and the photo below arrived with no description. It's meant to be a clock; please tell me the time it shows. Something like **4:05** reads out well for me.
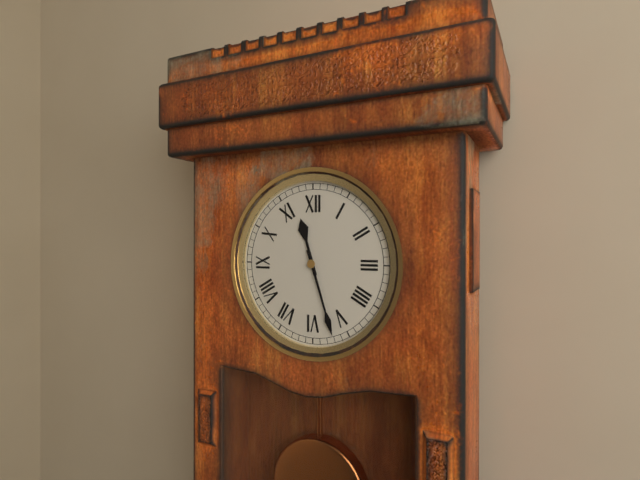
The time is **11:27**
